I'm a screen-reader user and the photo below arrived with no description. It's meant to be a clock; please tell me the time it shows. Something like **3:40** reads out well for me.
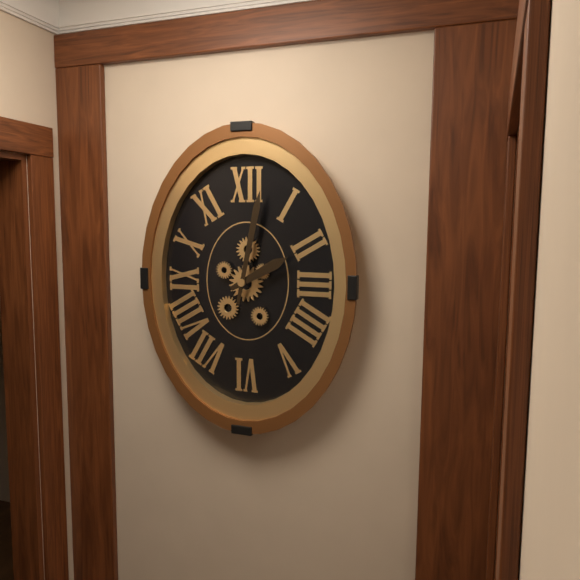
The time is **2:02**
